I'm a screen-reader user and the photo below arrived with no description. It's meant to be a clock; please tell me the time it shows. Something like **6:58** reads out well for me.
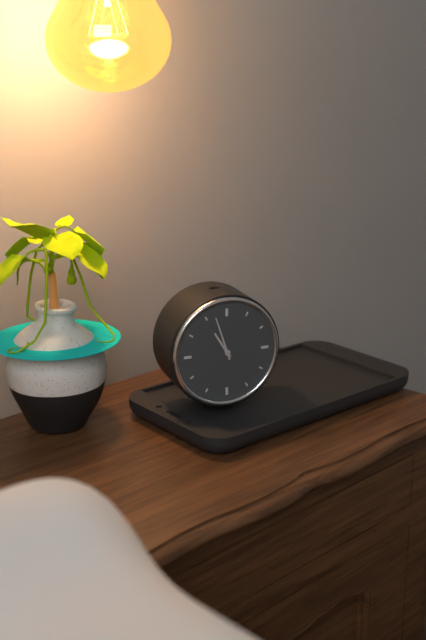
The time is **10:57**
